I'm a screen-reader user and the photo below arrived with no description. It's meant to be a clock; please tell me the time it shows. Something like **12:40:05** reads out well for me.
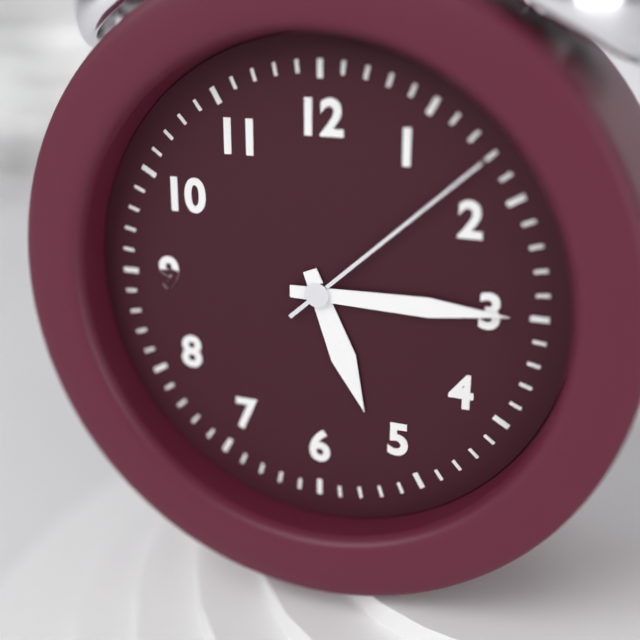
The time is **5:15:08**
